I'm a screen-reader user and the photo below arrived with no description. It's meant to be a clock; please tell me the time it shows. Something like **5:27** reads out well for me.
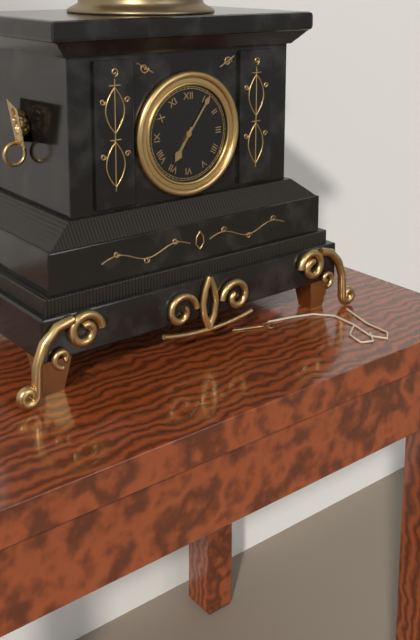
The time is **7:06**
